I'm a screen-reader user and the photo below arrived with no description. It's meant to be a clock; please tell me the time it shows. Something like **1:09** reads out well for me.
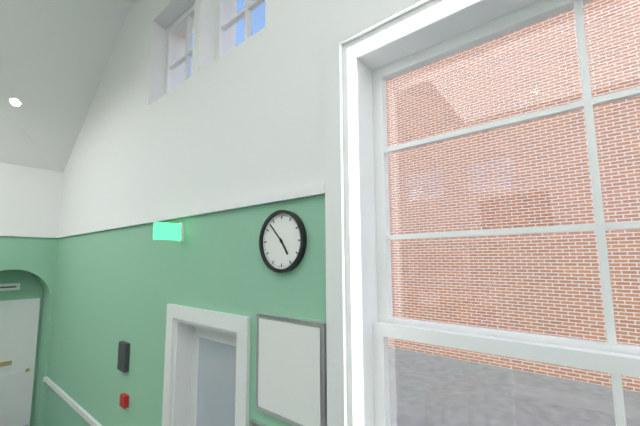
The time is **4:53**
